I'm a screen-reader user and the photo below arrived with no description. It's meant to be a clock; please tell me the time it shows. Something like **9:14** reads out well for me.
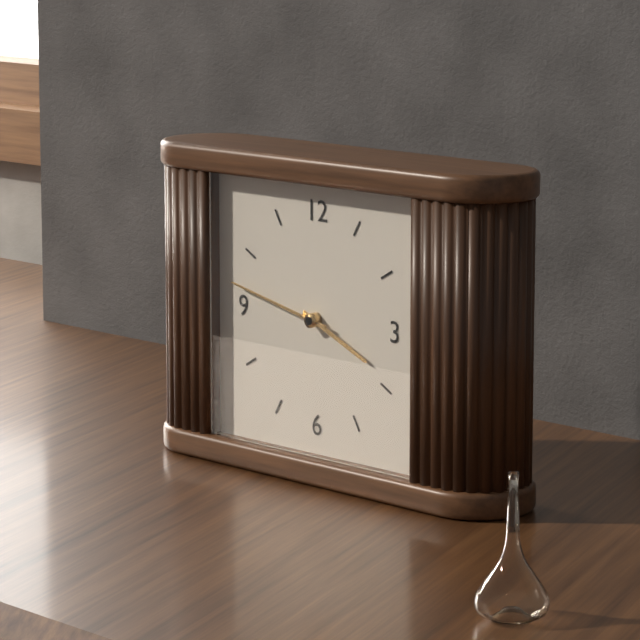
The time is **3:47**
